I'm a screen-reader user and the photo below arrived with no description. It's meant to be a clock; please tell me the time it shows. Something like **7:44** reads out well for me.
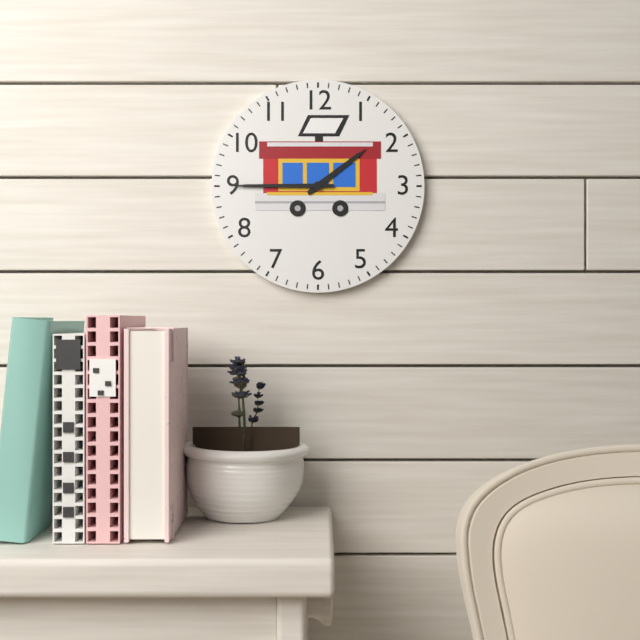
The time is **1:45**
